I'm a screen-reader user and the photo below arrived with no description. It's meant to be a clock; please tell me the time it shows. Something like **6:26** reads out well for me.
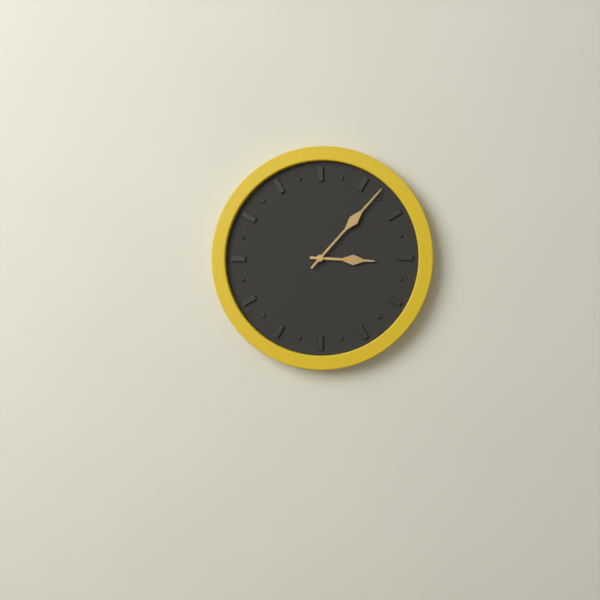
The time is **3:07**
